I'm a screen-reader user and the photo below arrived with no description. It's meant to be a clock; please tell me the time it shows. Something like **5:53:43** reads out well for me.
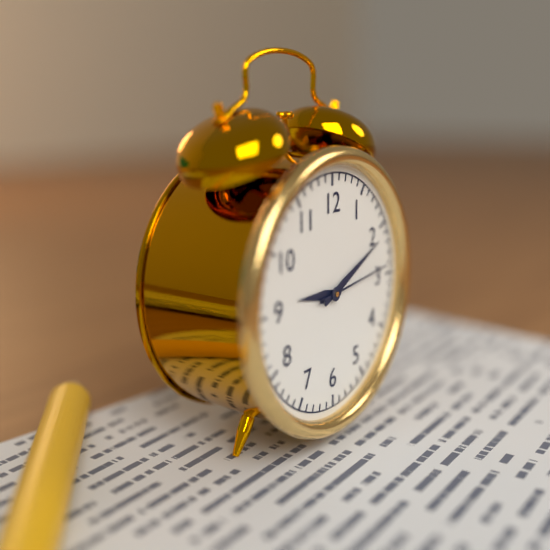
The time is **9:11:14**
